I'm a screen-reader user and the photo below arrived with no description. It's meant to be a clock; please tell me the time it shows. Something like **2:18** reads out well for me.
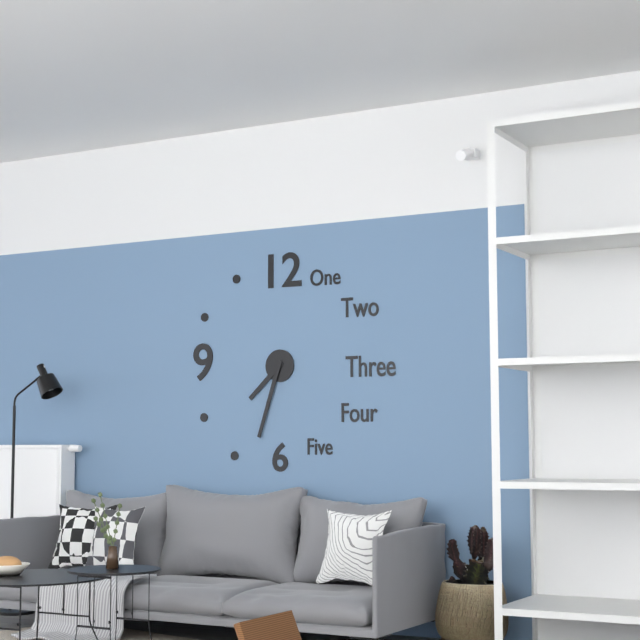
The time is **7:33**
